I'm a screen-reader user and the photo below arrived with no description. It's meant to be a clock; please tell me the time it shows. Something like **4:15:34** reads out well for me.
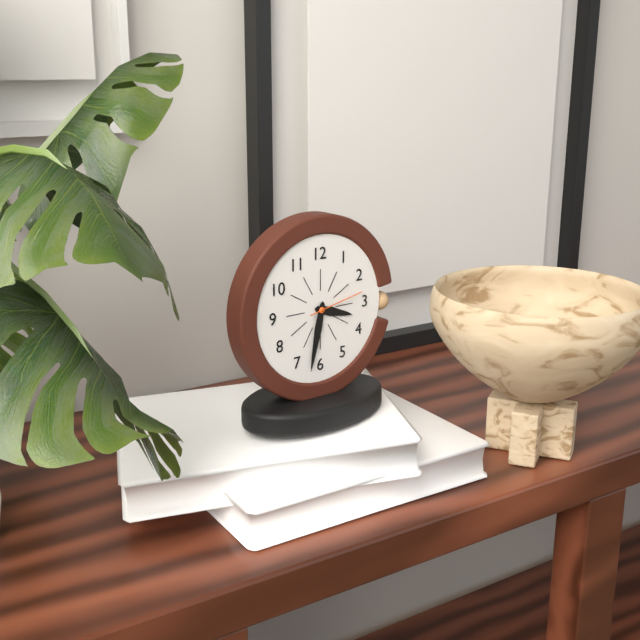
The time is **3:32:13**
